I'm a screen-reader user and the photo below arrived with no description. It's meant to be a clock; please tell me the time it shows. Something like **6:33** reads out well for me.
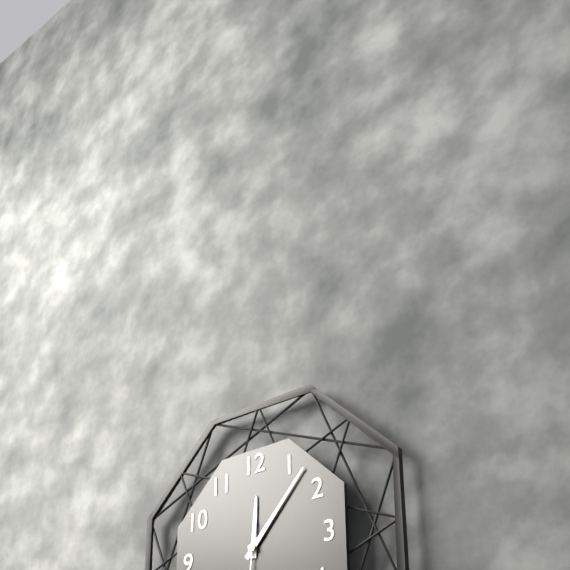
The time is **12:07**
